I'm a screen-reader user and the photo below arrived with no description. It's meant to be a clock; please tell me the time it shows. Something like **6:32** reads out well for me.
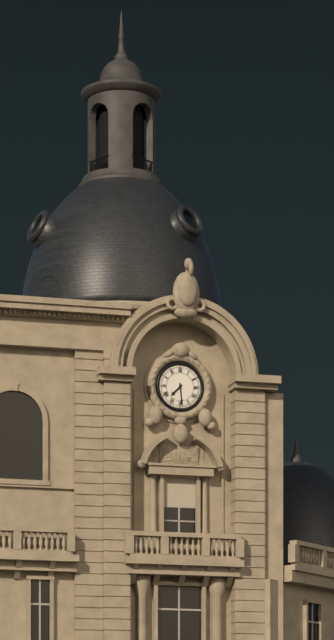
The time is **7:29**
